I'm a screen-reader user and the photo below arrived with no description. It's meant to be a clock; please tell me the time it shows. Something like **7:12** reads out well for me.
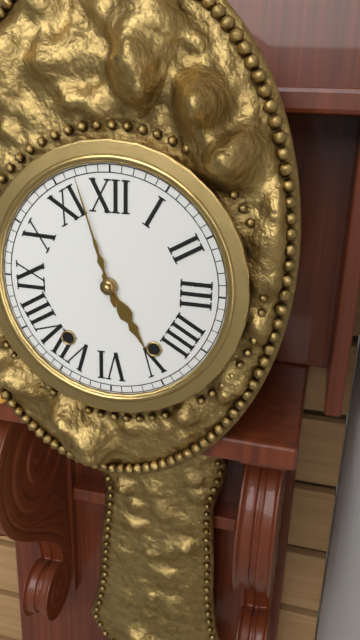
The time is **4:57**
